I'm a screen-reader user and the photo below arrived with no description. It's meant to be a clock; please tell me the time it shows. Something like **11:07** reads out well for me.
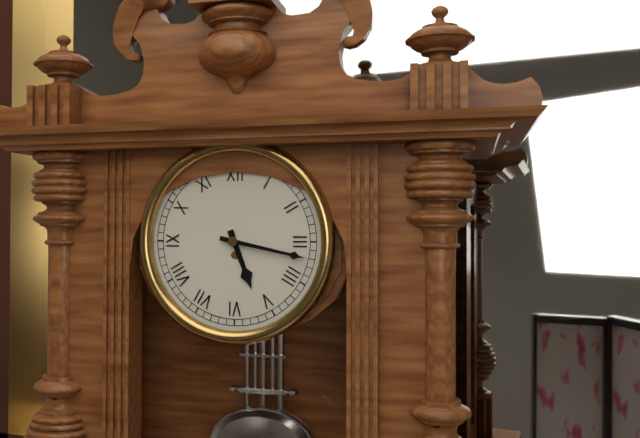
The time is **5:17**
